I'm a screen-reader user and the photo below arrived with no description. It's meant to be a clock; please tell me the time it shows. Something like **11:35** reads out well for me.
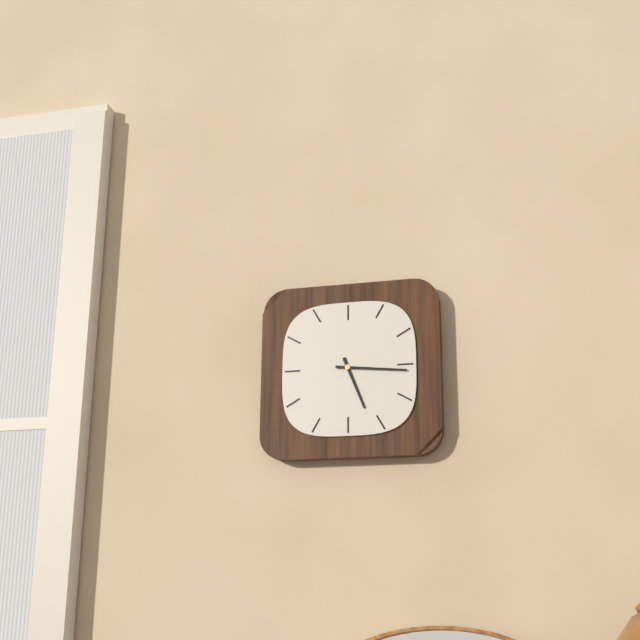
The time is **5:16**
